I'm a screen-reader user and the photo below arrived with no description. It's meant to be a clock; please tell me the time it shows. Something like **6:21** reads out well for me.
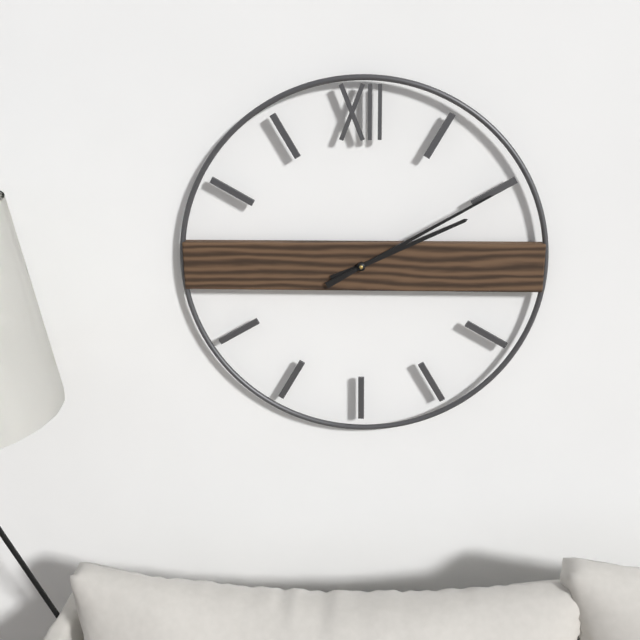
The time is **2:10**
